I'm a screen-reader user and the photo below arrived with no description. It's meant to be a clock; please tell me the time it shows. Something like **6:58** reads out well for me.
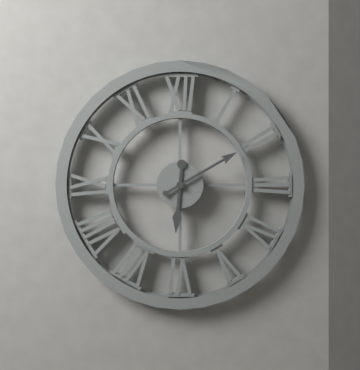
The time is **6:10**
